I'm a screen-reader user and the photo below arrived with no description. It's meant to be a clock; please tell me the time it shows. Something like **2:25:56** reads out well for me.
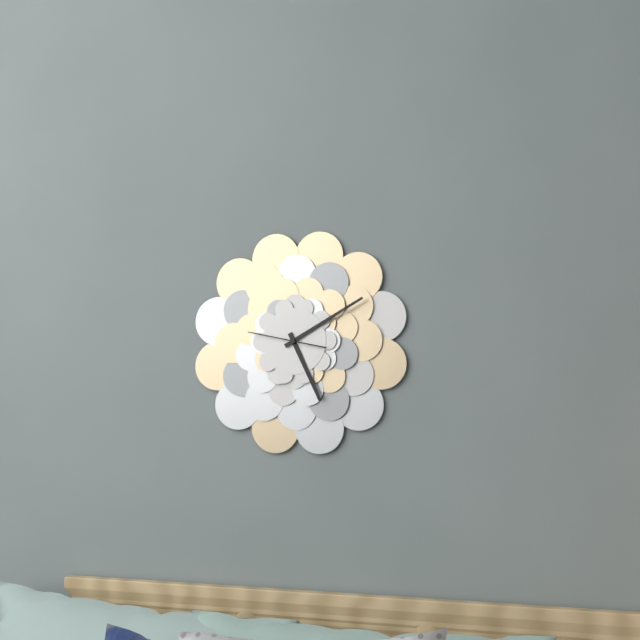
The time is **5:10:47**
